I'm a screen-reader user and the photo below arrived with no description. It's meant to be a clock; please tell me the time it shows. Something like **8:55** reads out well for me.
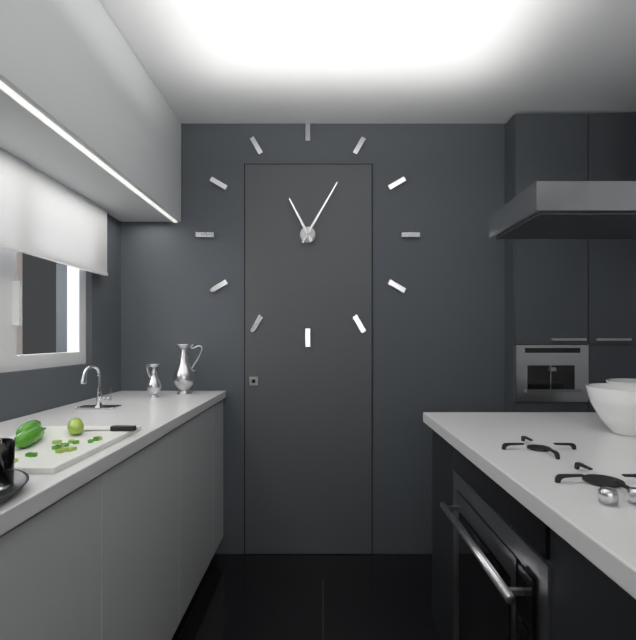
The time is **11:05**
